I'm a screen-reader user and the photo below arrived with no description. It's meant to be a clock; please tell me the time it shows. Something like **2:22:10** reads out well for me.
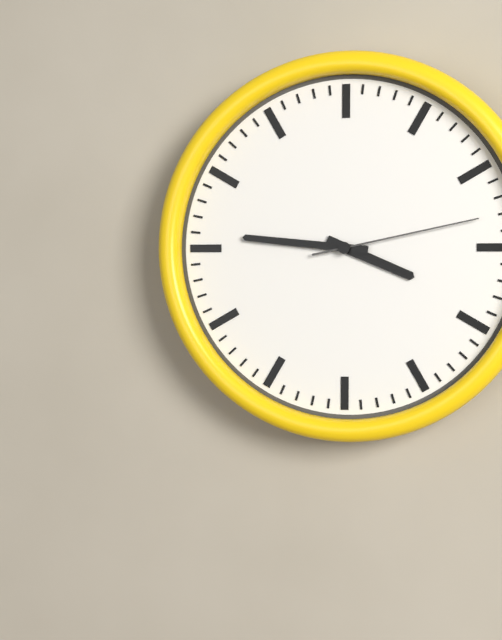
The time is **3:46:13**
